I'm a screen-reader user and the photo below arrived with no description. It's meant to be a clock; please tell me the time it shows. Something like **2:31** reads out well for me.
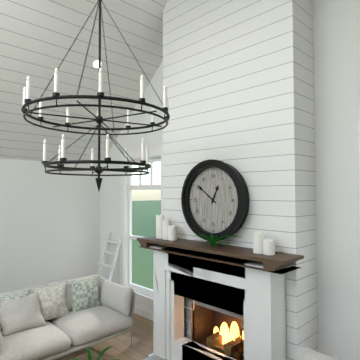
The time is **12:51**
